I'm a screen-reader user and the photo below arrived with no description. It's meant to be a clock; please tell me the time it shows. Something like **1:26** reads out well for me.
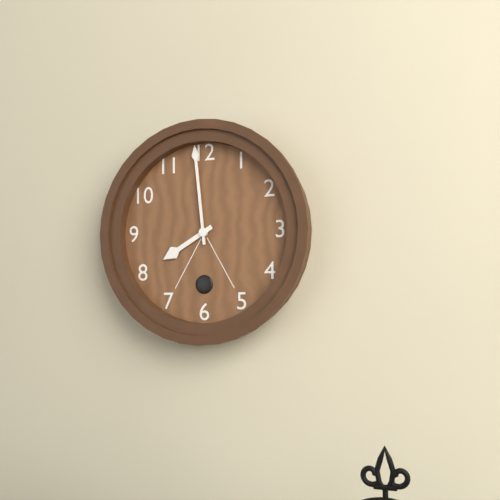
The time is **7:59**
